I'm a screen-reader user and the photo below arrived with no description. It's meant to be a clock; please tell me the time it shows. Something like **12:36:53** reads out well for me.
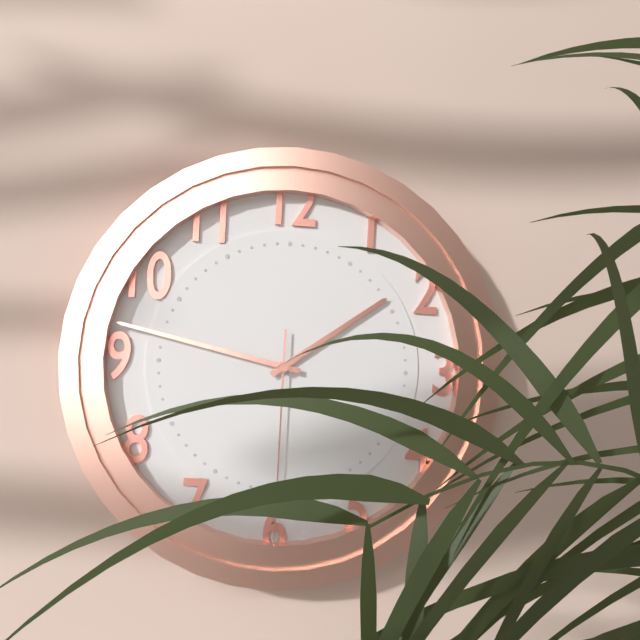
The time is **1:47:30**
